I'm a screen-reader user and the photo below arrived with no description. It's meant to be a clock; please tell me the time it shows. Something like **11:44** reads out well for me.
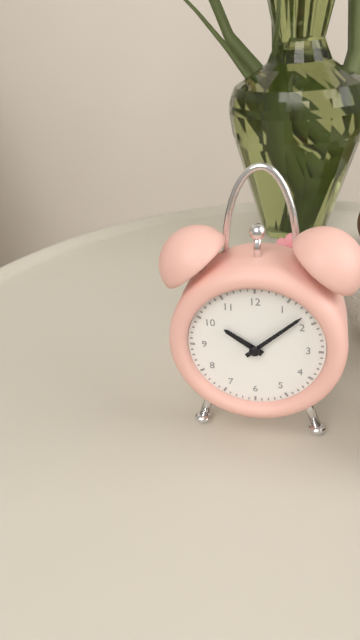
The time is **10:08**
